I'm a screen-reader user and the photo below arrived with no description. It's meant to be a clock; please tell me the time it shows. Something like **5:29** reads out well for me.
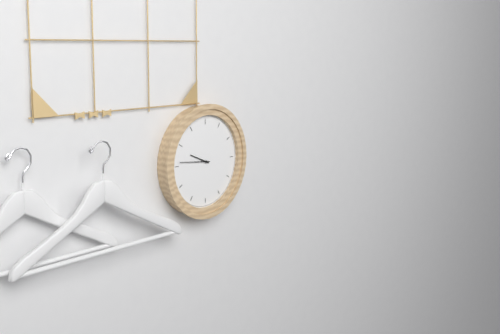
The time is **9:46**
